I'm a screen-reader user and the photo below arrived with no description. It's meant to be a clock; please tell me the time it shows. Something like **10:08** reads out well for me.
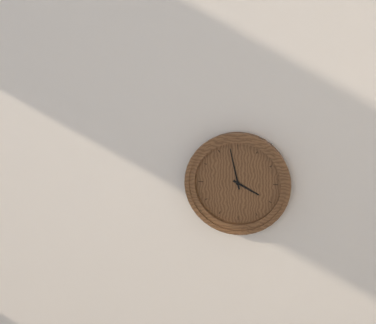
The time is **3:58**
